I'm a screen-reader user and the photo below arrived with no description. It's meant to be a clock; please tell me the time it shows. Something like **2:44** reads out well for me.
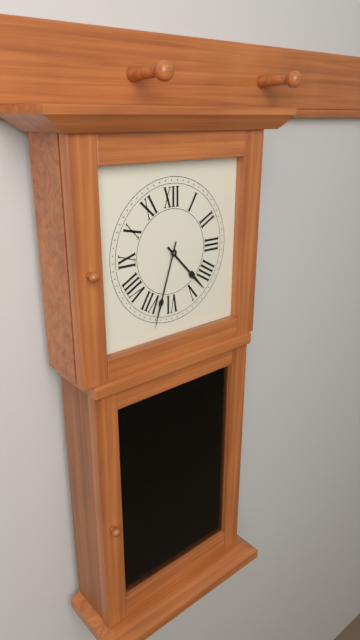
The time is **4:33**
